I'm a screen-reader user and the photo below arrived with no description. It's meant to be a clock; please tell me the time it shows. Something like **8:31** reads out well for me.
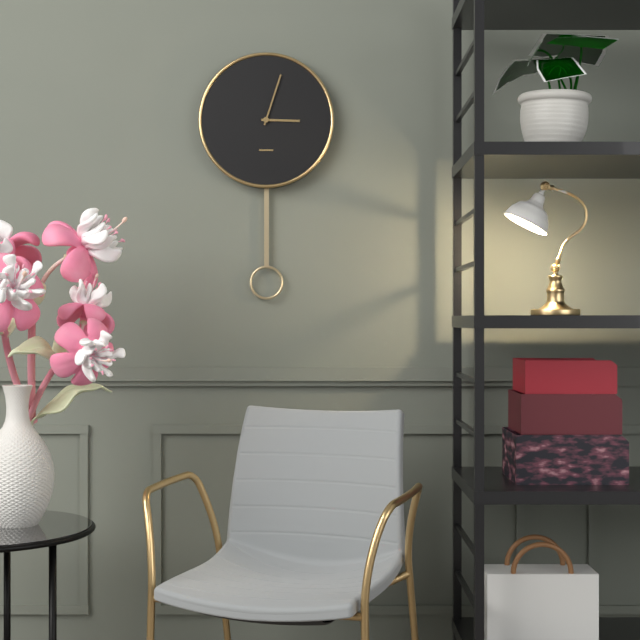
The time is **3:03**
